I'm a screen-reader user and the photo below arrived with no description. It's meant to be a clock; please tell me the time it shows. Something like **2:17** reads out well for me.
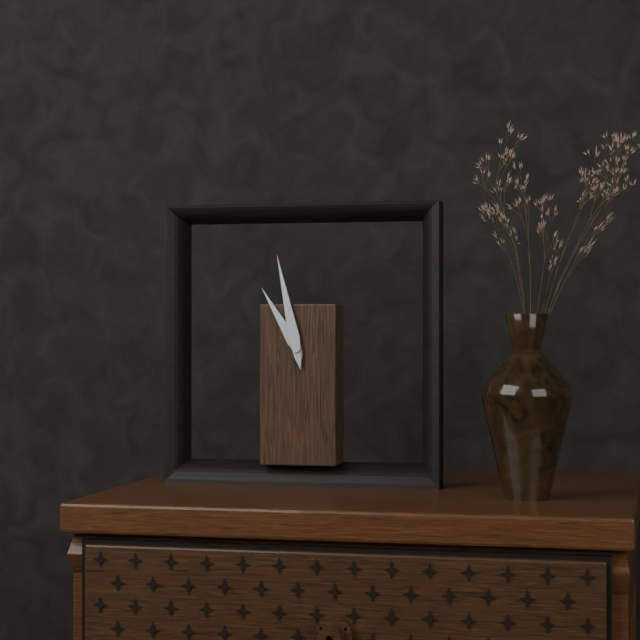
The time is **10:58**
